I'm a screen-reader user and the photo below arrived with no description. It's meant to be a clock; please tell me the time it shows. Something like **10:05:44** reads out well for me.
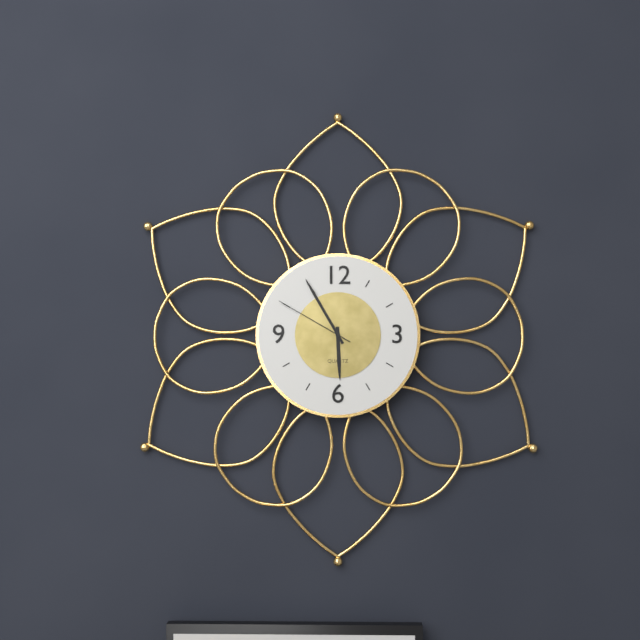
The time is **5:55:50**
